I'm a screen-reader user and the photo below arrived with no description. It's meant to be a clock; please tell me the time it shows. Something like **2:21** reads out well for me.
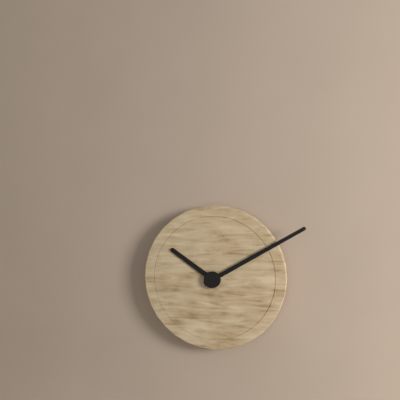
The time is **10:10**
